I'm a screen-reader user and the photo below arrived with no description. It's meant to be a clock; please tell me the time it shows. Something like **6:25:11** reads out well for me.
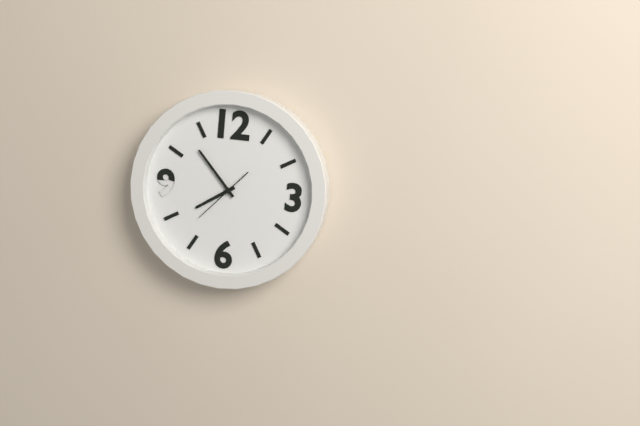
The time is **7:53:37**
